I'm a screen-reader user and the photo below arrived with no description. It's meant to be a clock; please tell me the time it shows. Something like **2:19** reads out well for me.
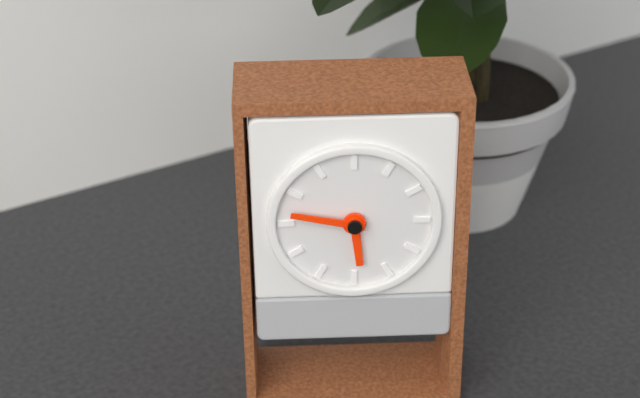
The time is **5:47**
